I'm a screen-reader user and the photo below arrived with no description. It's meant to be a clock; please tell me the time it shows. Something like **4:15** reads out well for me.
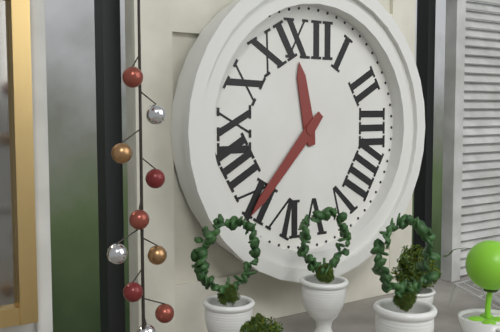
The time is **11:37**
